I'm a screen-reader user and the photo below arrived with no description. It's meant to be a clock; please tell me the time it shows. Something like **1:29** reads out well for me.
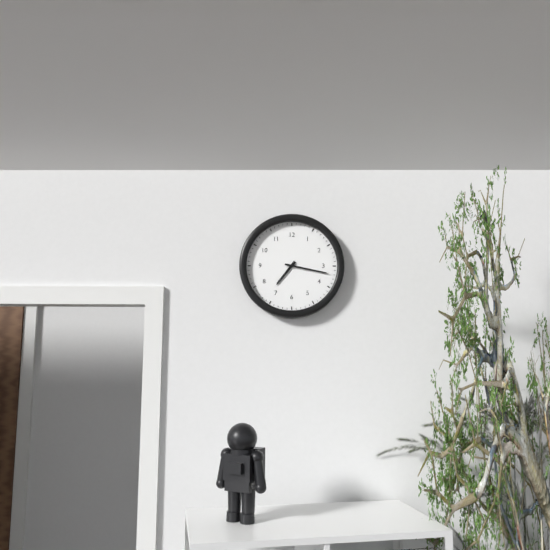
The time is **7:17**
